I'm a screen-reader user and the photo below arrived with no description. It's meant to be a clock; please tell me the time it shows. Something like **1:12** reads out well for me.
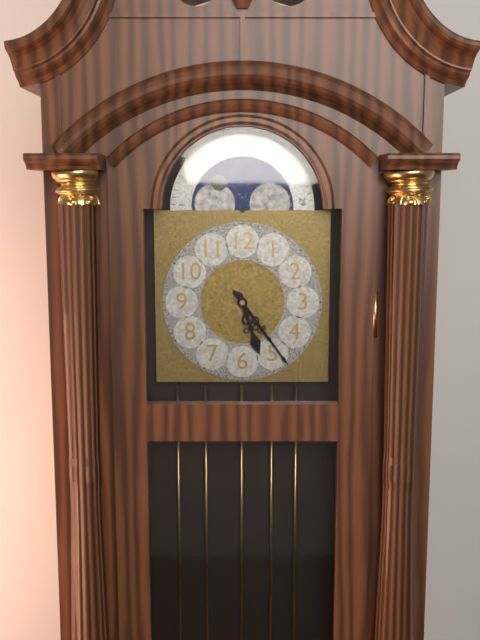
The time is **5:24**
